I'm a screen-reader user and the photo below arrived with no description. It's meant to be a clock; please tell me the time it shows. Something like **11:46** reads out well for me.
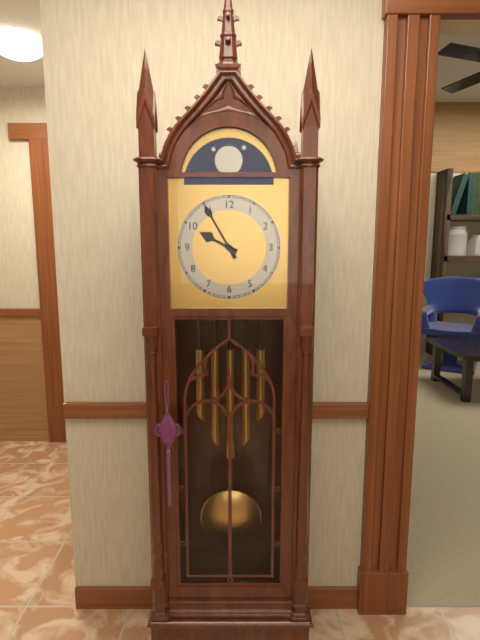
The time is **9:55**
